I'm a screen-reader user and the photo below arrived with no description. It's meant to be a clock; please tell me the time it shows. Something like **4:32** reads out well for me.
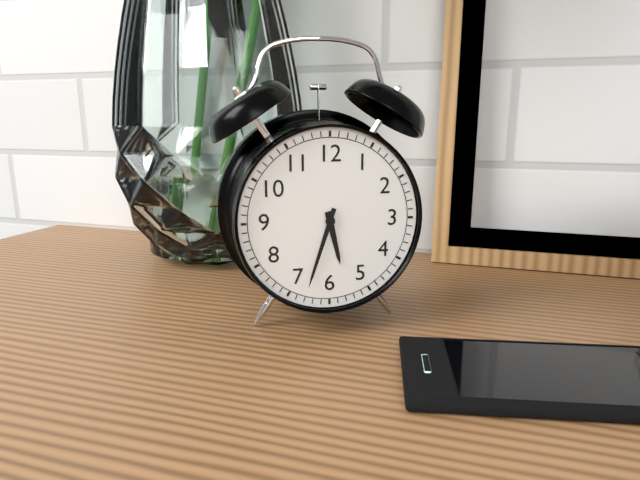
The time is **5:33**
